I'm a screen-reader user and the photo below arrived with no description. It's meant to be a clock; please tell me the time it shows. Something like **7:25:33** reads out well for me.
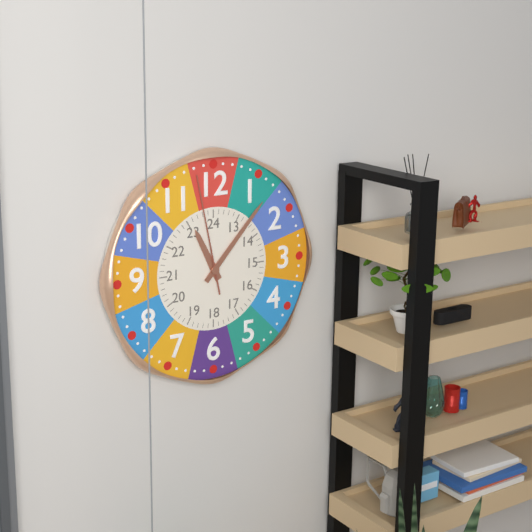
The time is **11:07:58**
